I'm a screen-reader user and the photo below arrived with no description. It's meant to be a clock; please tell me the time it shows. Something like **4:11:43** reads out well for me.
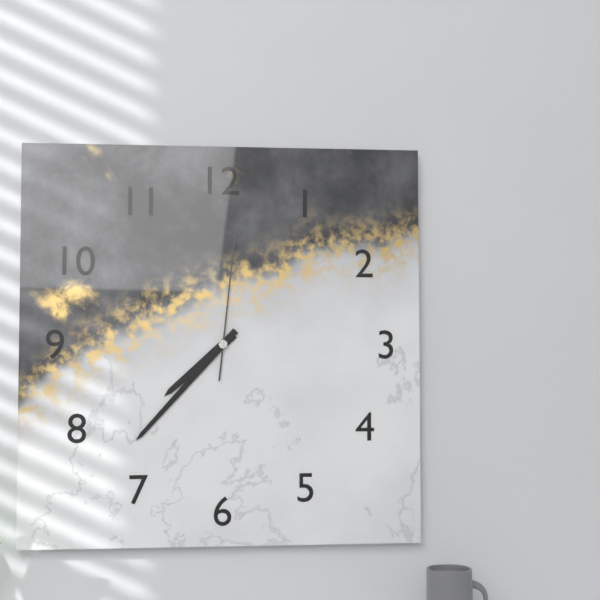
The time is **7:37:01**
